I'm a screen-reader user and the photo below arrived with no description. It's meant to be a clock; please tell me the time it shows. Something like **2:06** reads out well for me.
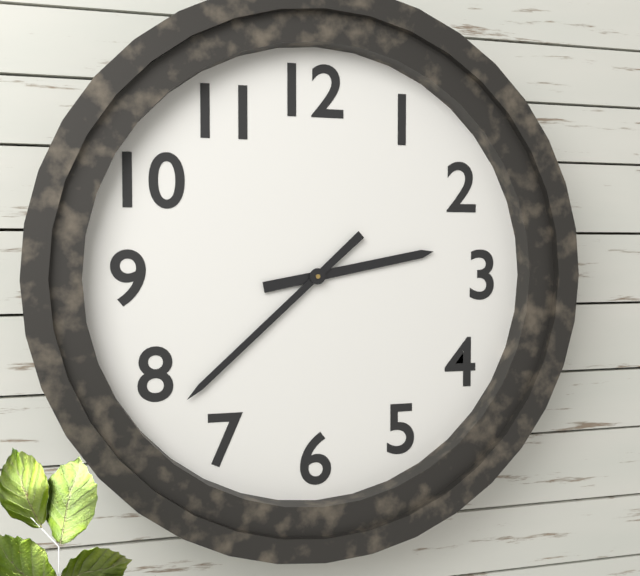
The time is **2:38**
